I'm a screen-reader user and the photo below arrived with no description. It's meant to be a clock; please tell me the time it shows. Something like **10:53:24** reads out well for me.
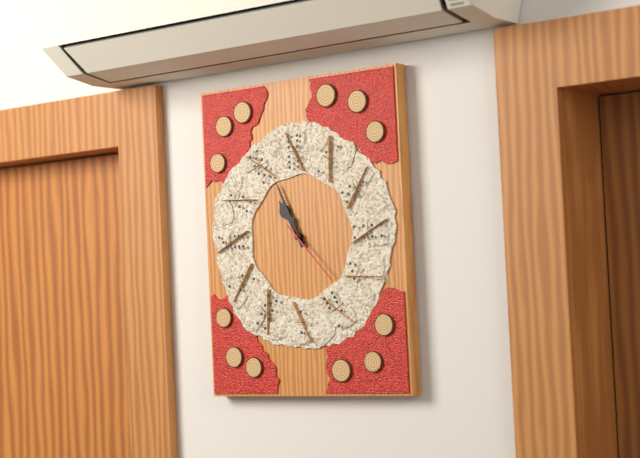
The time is **10:56:23**
